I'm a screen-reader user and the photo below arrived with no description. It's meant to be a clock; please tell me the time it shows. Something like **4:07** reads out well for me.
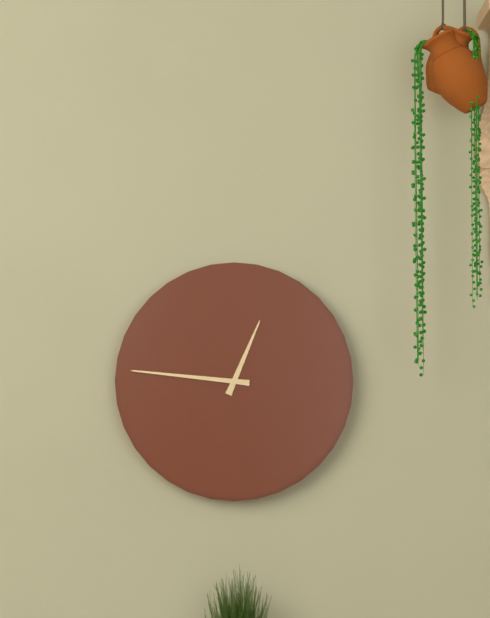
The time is **12:46**
